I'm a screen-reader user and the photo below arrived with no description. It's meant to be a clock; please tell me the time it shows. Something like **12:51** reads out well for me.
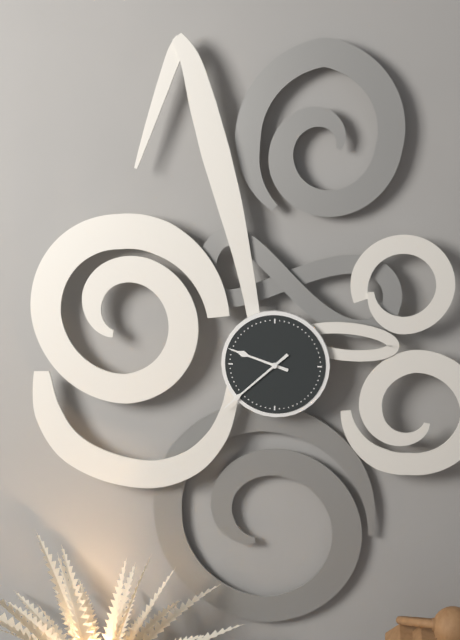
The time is **9:38**
